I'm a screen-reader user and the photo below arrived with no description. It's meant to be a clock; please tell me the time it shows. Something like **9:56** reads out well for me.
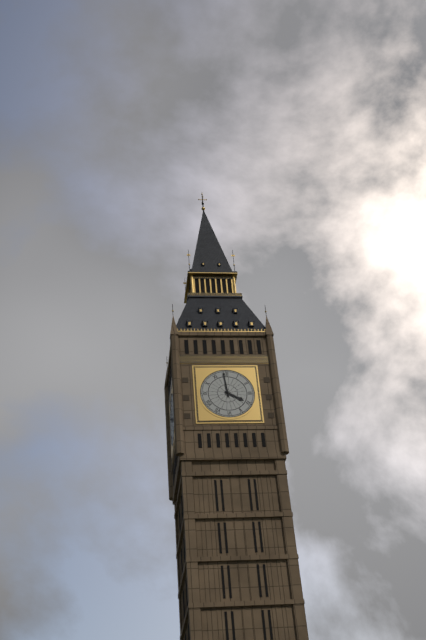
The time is **3:59**
